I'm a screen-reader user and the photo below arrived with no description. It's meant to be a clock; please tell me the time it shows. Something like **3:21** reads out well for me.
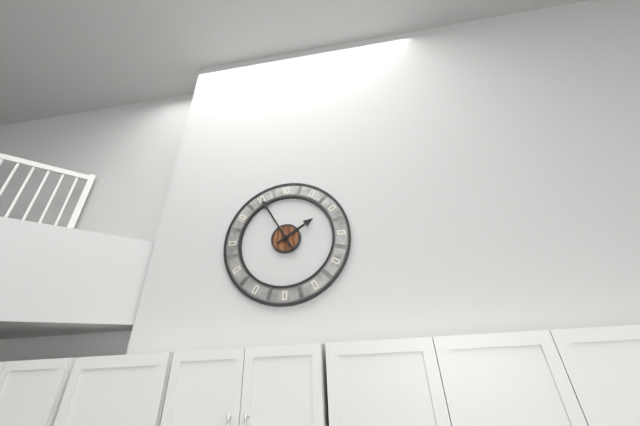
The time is **1:55**
